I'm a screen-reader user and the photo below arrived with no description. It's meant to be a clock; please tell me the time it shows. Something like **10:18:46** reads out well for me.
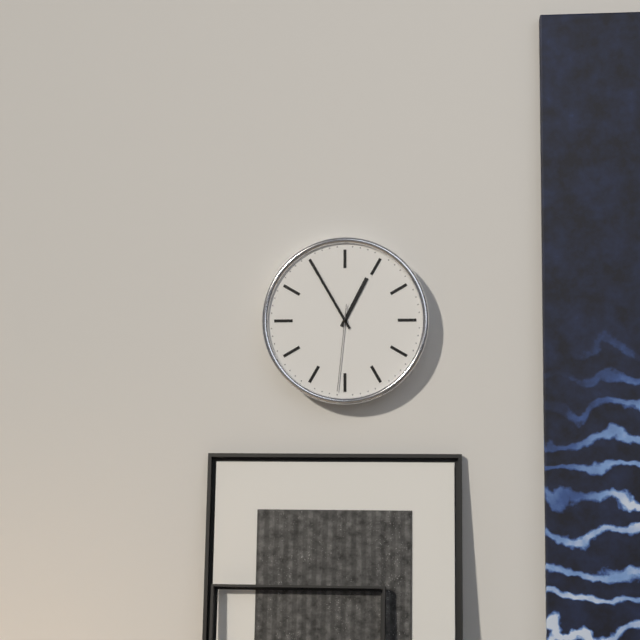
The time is **12:55:31**
